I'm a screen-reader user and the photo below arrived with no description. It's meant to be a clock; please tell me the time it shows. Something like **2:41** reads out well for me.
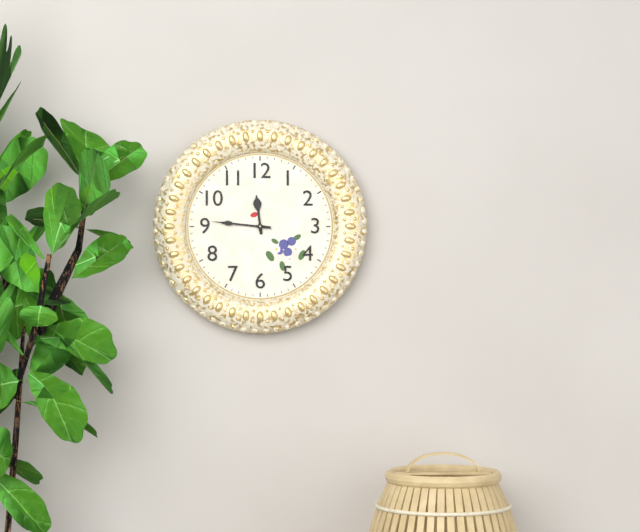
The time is **11:46**
